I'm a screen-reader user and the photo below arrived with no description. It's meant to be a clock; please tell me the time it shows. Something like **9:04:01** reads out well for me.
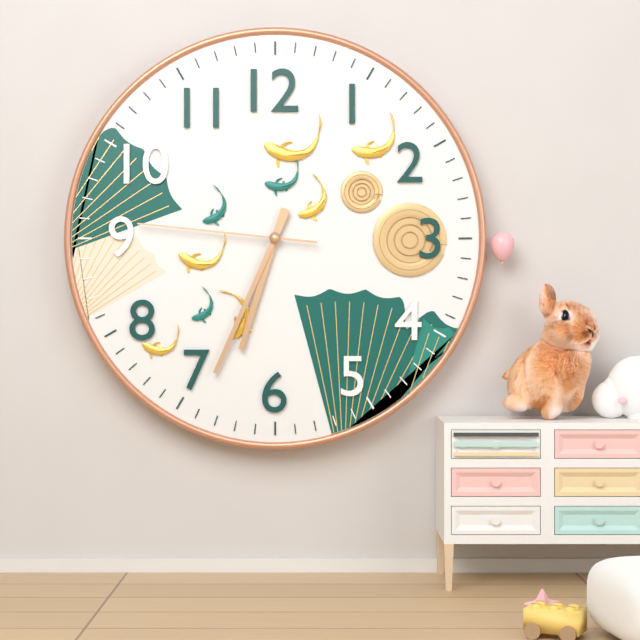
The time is **6:34:46**
